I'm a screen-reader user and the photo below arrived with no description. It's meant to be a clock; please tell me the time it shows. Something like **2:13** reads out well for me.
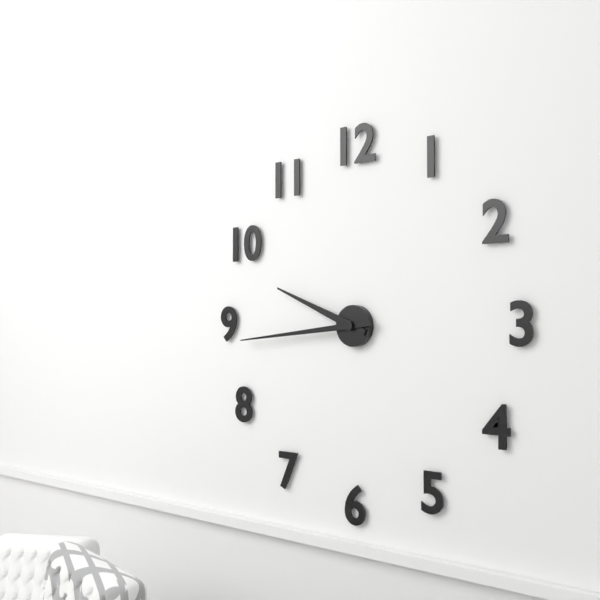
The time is **9:44**
